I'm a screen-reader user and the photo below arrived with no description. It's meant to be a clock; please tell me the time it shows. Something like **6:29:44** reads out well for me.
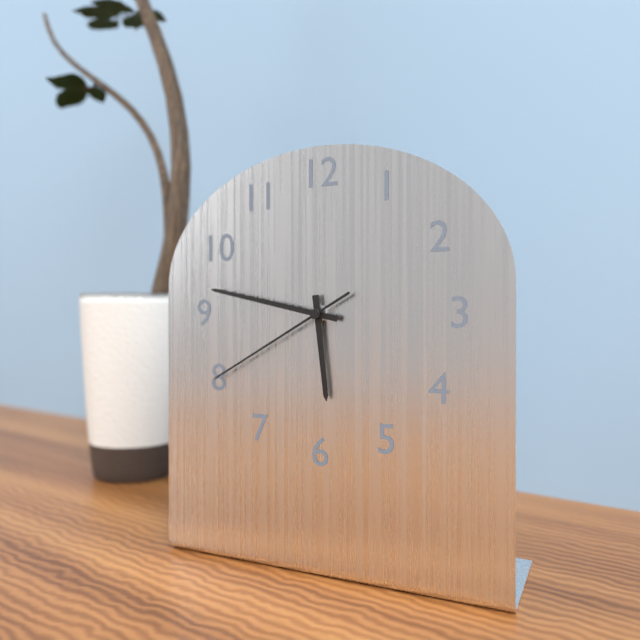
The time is **5:47:40**
